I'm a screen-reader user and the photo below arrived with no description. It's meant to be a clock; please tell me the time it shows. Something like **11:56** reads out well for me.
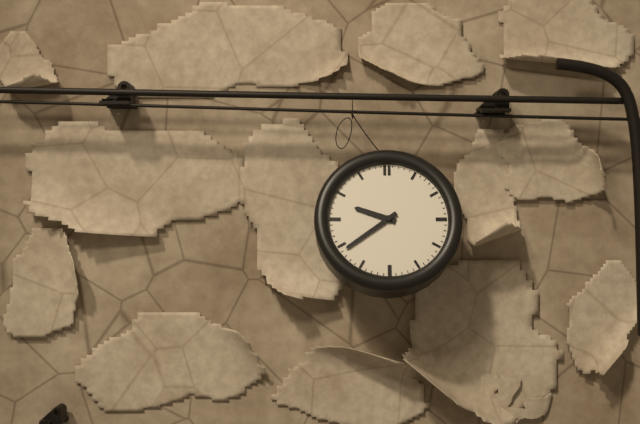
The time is **9:39**
